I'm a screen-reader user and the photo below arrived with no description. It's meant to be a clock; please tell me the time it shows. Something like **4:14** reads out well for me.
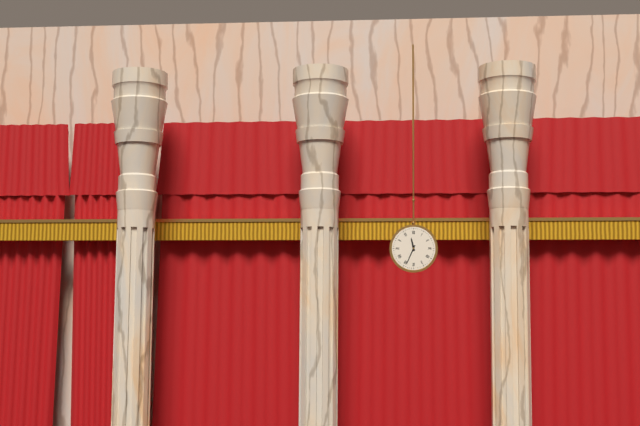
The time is **11:34**
